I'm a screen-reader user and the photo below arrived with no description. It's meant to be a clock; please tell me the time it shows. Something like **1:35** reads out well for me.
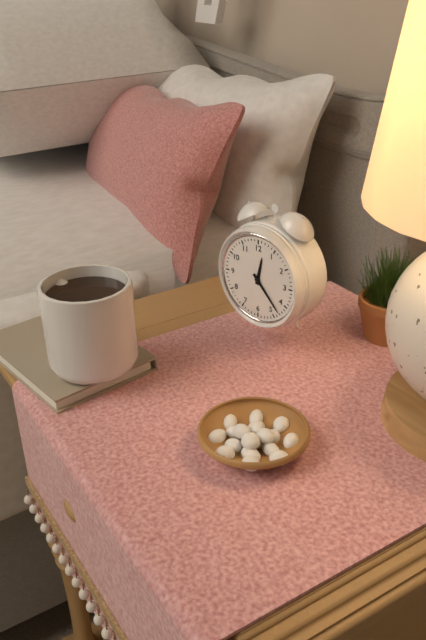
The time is **12:23**
